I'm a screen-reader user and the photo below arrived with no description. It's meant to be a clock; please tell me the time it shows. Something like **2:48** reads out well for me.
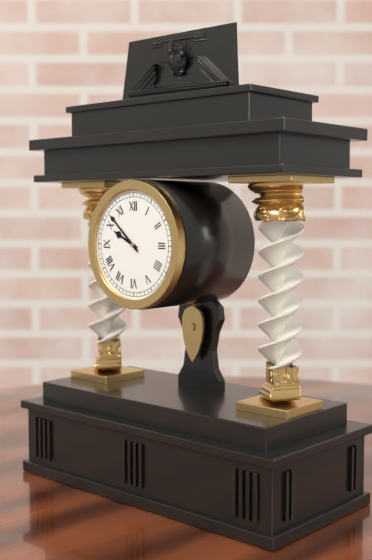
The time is **9:52**
